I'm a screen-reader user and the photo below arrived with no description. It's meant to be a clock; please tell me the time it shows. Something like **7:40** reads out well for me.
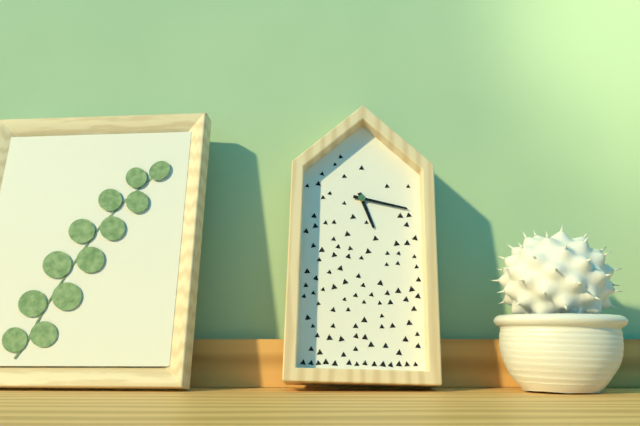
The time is **5:17**
